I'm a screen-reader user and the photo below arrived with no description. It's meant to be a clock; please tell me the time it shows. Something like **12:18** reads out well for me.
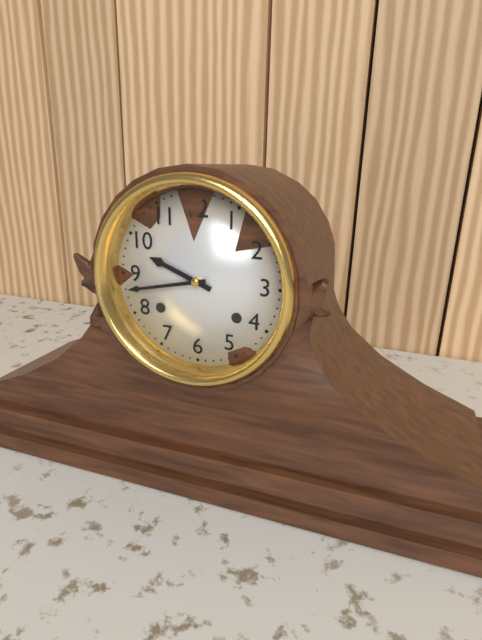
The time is **9:43**
